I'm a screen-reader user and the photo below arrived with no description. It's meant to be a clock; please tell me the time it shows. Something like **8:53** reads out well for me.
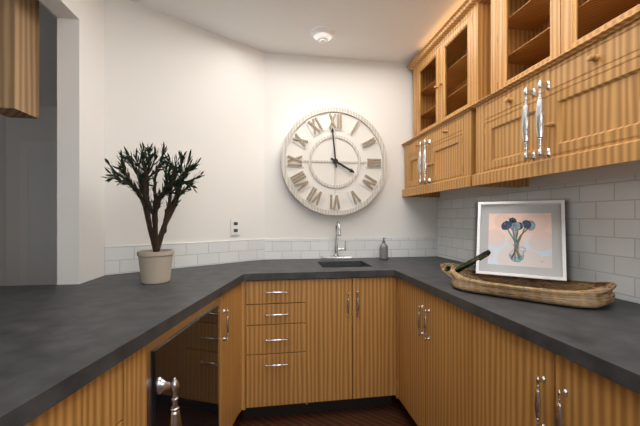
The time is **3:59**
